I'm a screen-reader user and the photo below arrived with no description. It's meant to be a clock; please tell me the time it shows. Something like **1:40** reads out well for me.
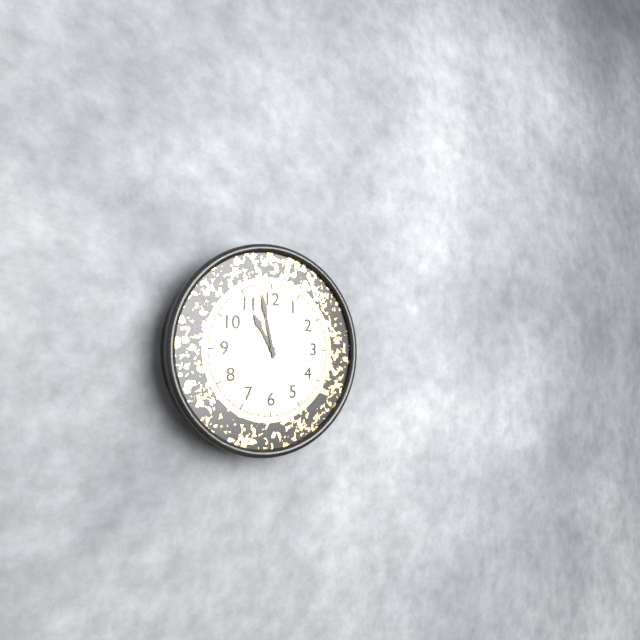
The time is **10:58**
